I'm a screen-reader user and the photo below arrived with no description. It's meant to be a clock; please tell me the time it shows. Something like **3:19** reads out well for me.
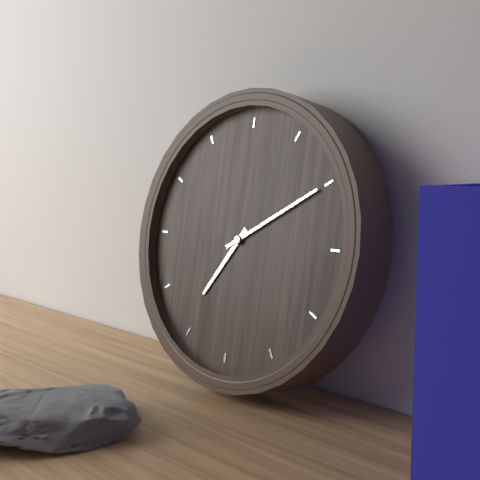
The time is **7:10**
